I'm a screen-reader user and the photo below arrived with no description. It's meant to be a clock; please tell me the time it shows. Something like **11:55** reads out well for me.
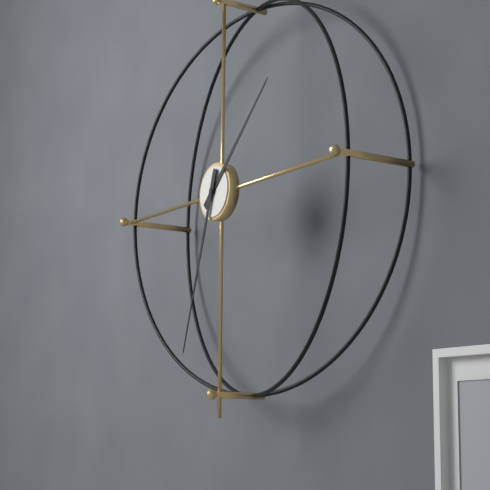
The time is **1:33**
